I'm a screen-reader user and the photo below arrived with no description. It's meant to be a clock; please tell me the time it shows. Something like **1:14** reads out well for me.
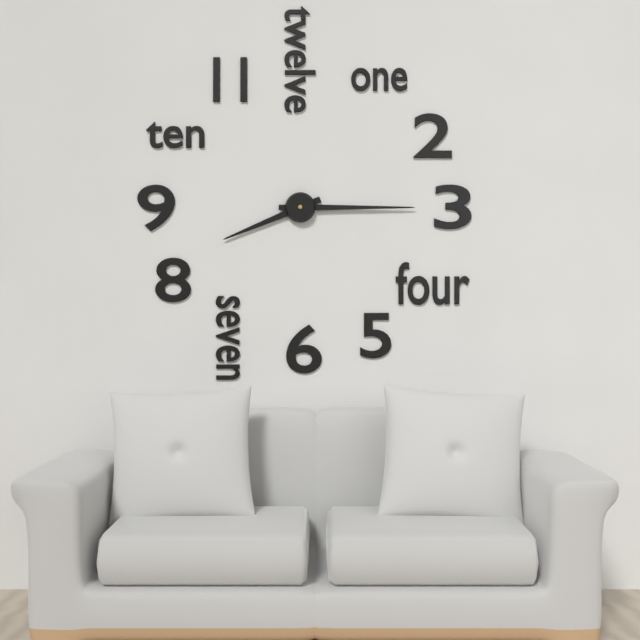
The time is **8:15**
